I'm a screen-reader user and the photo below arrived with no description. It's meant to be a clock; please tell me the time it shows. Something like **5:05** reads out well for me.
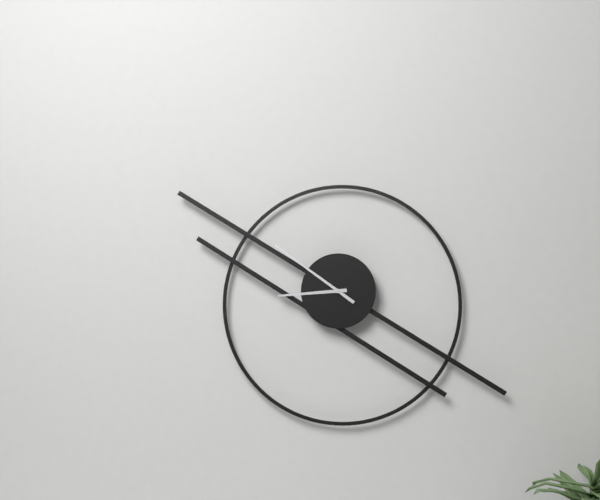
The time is **8:51**
